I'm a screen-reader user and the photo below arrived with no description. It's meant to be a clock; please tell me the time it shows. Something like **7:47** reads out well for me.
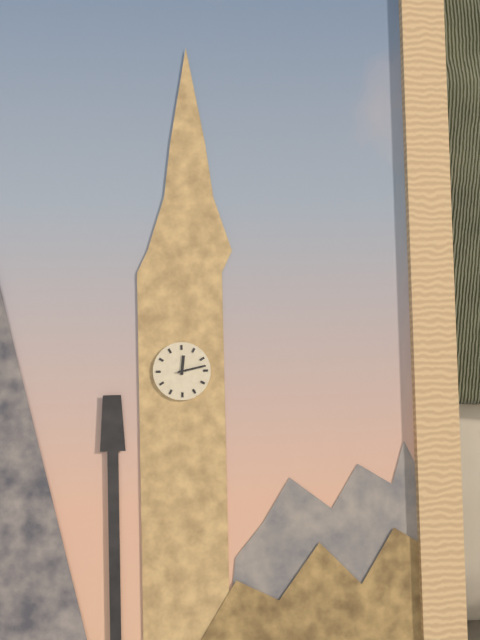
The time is **12:13**
